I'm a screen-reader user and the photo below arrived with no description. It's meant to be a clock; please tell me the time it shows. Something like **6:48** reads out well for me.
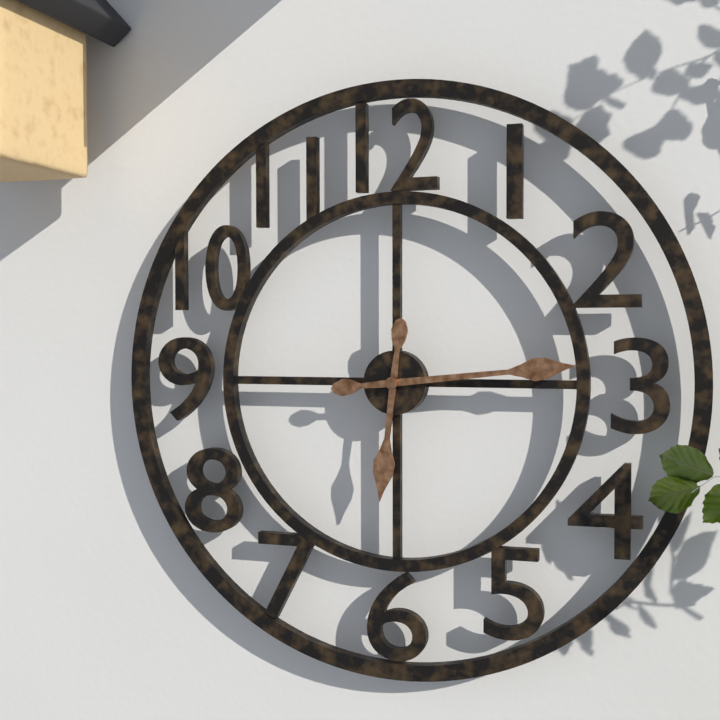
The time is **6:14**
